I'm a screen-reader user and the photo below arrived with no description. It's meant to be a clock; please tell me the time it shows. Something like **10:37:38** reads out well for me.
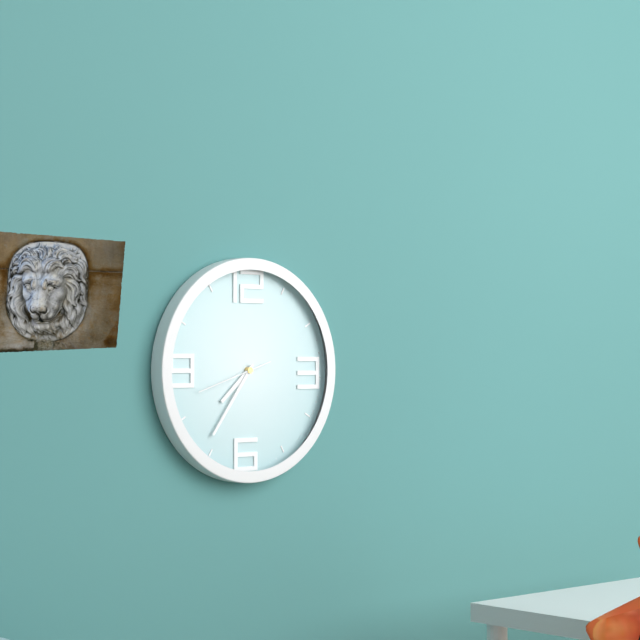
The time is **7:36:42**
